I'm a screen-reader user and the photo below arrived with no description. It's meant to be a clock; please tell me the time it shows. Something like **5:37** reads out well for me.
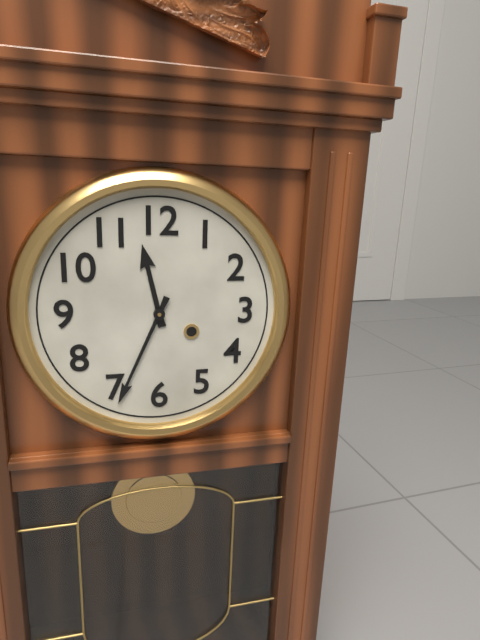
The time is **11:34**
